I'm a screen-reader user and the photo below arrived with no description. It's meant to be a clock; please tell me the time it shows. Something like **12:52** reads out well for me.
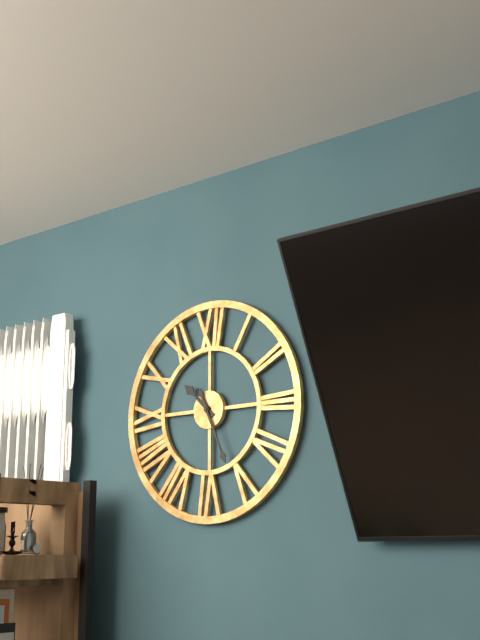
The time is **10:26**
